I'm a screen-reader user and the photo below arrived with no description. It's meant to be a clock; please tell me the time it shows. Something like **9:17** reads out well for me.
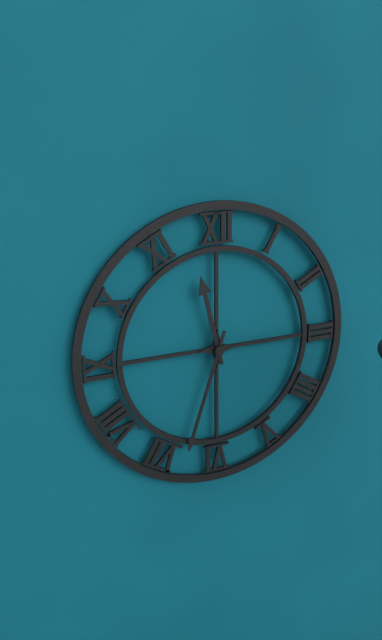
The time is **11:33**
